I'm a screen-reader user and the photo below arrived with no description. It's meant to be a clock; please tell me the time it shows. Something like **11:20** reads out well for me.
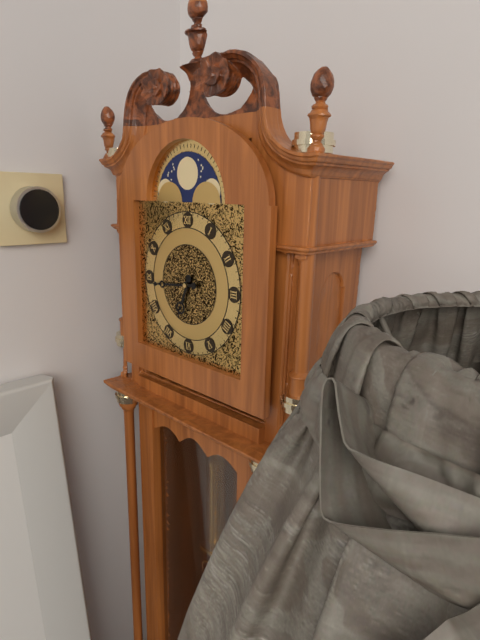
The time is **6:44**
